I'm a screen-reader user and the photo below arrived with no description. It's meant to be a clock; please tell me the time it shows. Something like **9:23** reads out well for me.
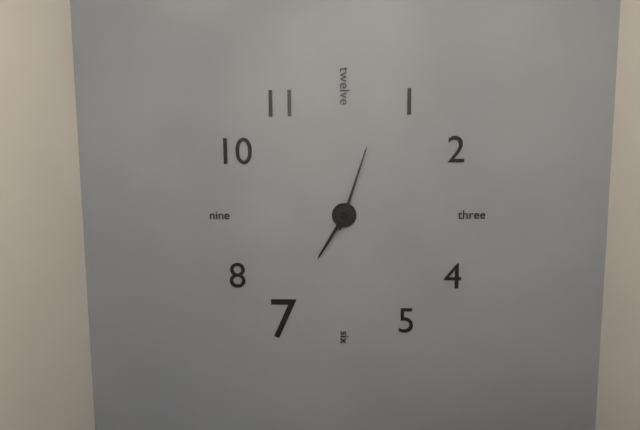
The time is **7:03**
